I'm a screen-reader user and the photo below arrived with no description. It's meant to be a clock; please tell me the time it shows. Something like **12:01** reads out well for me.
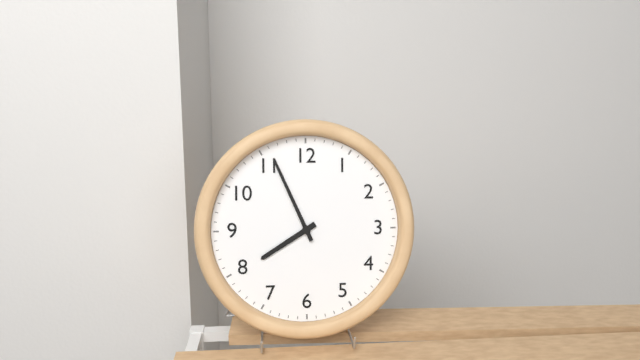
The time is **7:56**
